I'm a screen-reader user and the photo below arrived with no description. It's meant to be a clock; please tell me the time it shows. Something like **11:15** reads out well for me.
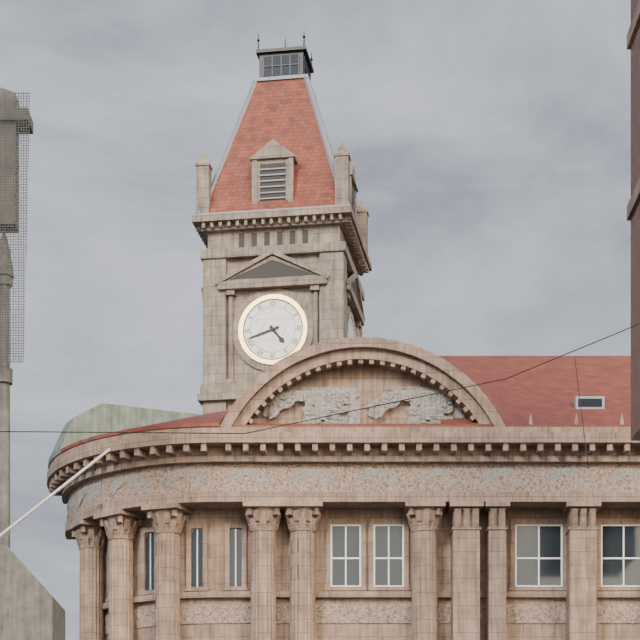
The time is **4:42**
